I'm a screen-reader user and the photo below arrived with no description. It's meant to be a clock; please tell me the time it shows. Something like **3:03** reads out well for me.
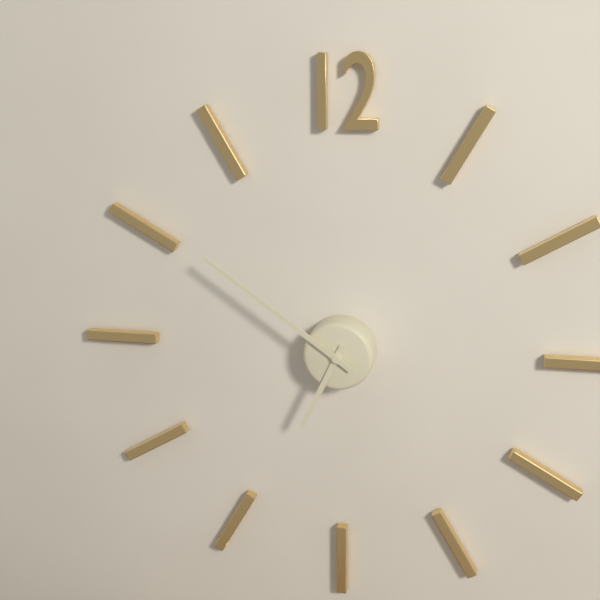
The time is **6:51**
